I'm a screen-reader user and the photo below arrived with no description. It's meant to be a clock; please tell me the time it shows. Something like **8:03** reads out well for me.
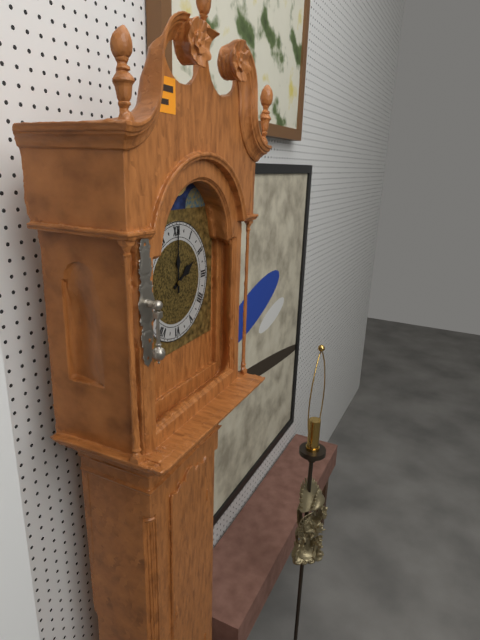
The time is **2:00**
